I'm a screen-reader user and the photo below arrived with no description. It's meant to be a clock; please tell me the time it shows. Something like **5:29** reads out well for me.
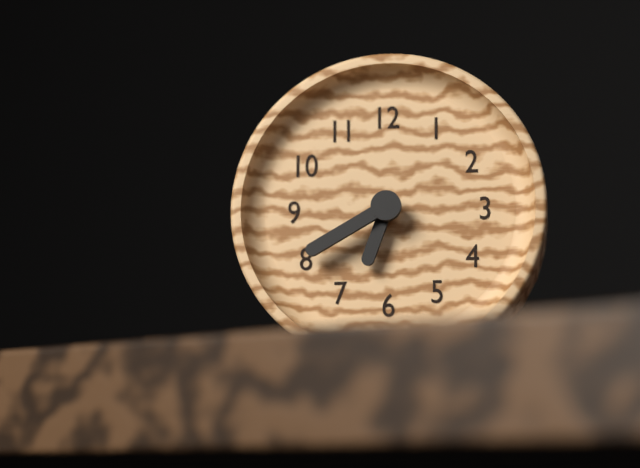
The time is **6:40**
